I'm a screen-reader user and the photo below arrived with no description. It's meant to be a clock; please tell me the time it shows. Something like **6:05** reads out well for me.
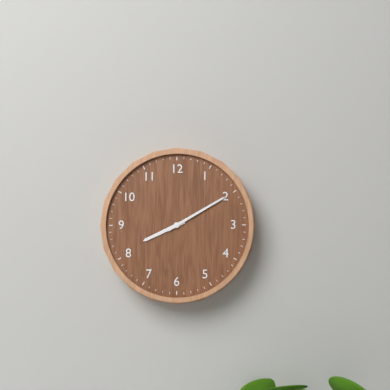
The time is **8:10**
